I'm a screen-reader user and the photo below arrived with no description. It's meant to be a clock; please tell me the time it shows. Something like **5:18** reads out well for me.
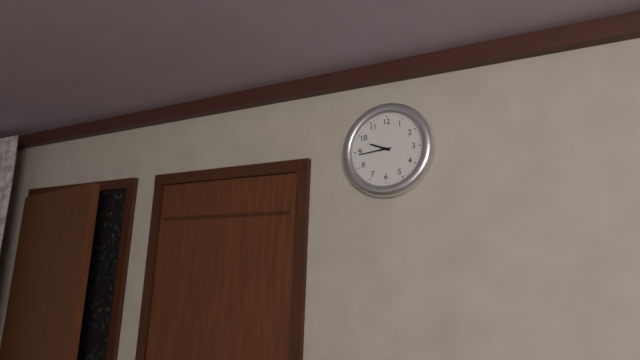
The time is **9:44**
